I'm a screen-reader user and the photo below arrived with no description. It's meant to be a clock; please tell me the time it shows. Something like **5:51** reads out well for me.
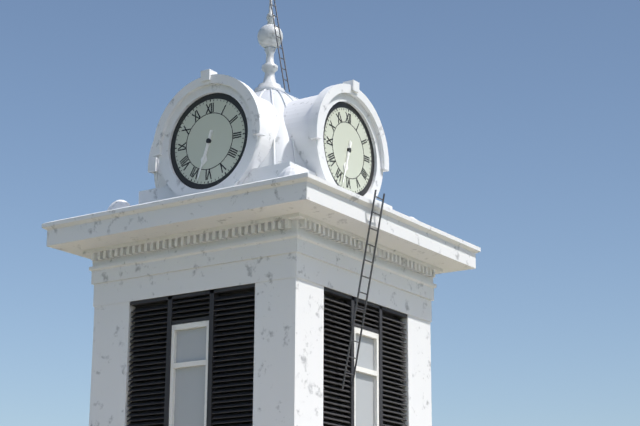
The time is **6:33**
